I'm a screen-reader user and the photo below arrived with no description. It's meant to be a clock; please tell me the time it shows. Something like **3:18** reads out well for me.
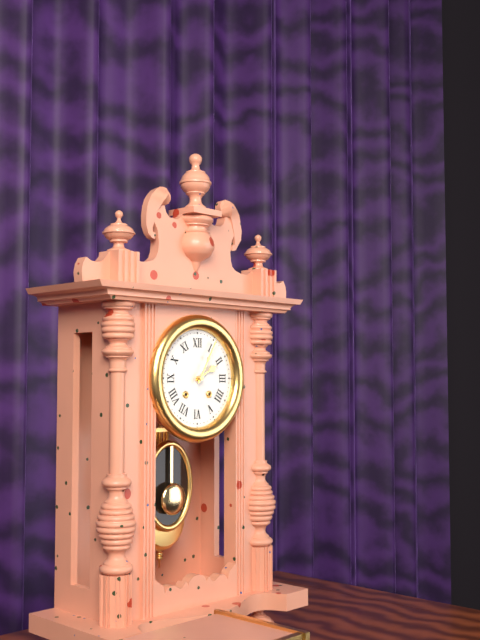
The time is **2:05**
